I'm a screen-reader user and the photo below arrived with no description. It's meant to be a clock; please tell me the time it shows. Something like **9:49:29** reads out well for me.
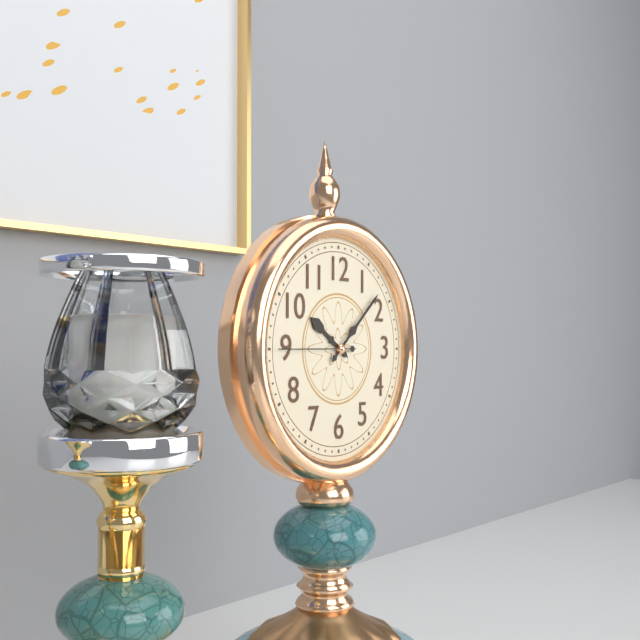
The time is **10:08:45**
